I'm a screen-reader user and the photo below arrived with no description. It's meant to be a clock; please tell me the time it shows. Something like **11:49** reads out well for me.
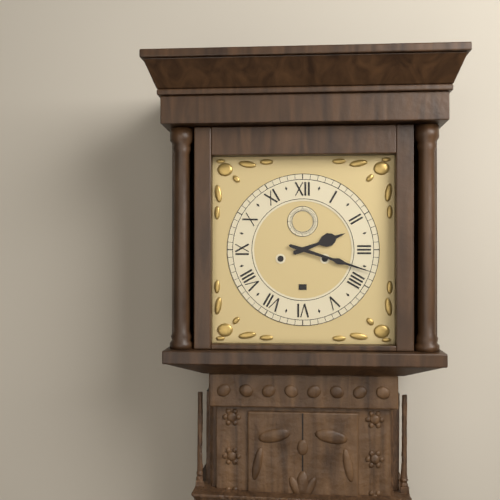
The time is **2:18**
